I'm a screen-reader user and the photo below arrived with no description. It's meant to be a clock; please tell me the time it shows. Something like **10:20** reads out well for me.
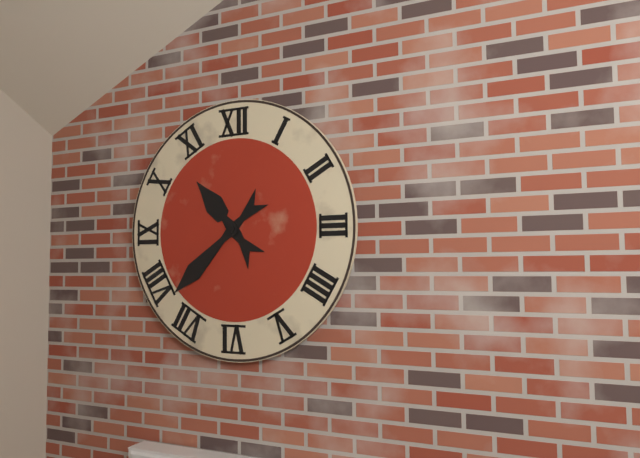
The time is **10:38**
